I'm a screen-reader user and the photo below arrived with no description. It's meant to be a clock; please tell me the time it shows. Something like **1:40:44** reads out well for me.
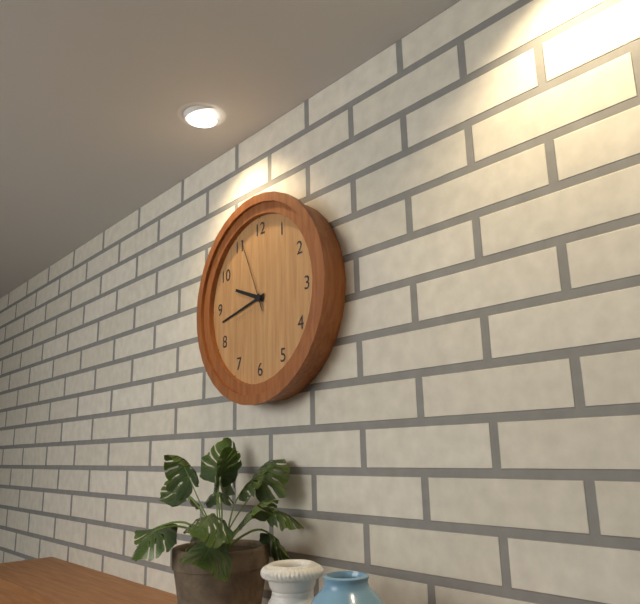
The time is **9:43:56**
